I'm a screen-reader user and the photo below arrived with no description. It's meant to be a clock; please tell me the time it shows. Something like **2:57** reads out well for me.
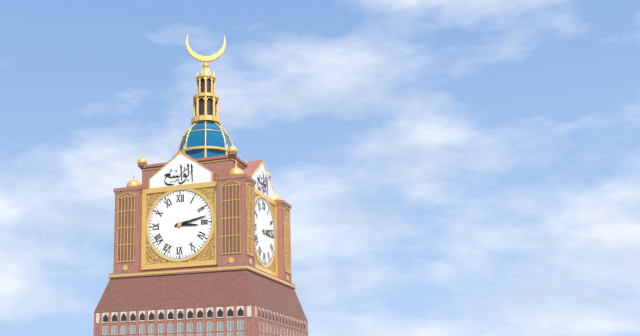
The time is **3:13**
